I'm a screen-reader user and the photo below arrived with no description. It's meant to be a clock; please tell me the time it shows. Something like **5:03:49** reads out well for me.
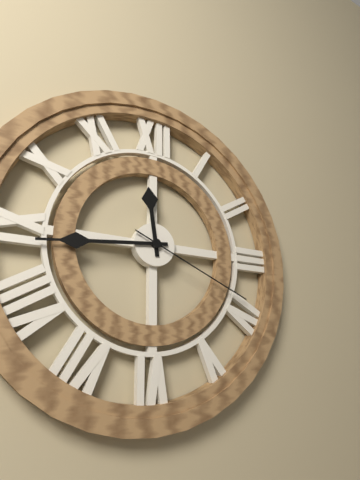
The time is **11:44:19**
